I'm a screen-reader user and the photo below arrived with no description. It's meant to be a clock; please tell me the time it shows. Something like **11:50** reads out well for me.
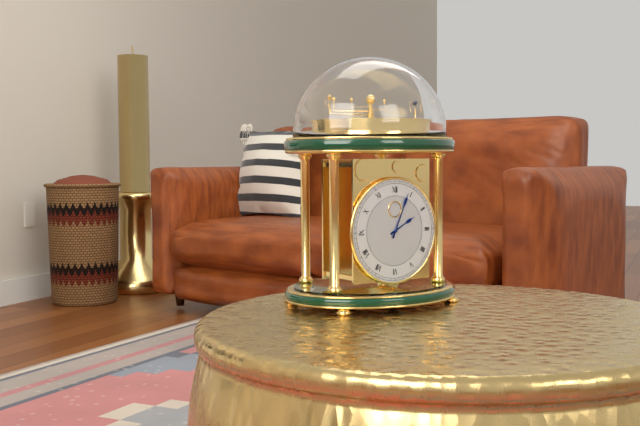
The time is **2:04**
